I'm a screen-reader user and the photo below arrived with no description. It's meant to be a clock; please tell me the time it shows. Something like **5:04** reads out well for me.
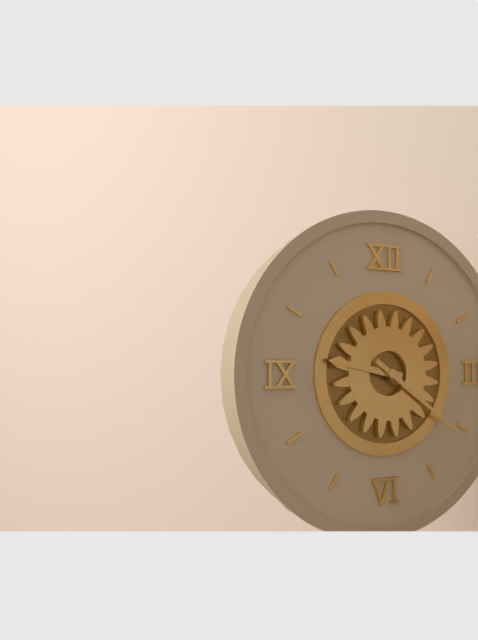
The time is **9:21**
